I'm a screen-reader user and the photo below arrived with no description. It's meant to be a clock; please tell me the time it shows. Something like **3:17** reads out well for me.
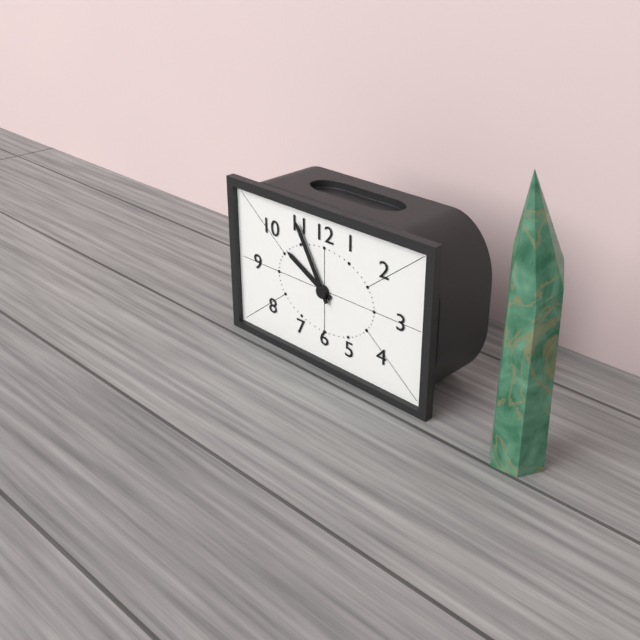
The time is **9:55**
